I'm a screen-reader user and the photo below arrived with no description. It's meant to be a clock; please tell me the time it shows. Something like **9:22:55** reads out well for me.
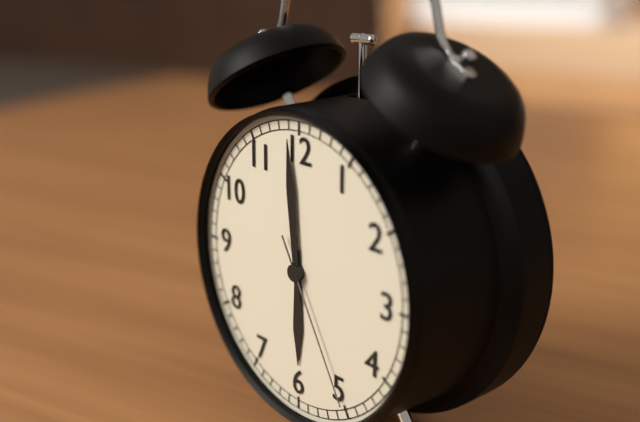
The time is **5:59:25**
